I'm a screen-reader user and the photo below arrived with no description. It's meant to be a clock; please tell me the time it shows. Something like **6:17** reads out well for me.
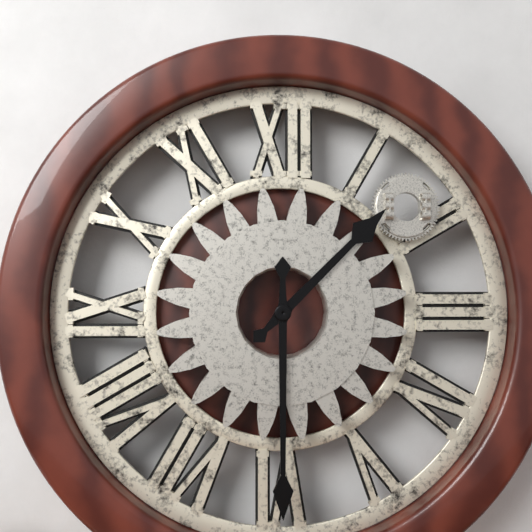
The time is **1:30**
